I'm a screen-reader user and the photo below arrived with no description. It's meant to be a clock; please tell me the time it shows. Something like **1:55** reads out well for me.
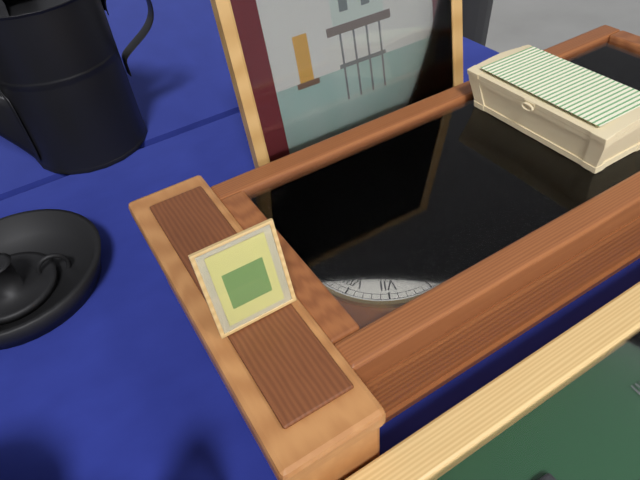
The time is **12:07**
